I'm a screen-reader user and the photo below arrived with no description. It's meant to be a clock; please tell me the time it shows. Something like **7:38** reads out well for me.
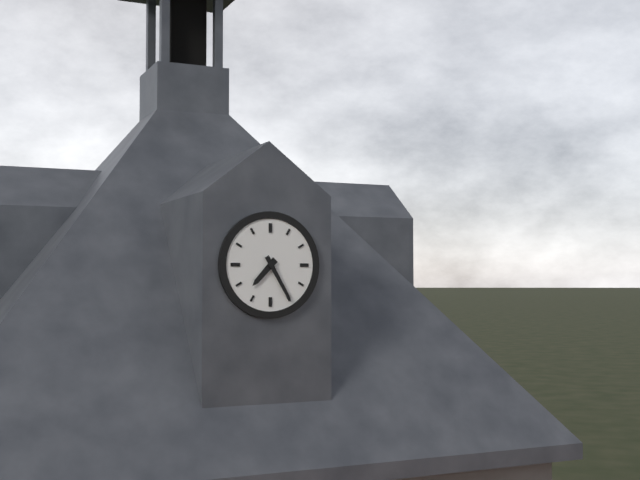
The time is **7:25**
